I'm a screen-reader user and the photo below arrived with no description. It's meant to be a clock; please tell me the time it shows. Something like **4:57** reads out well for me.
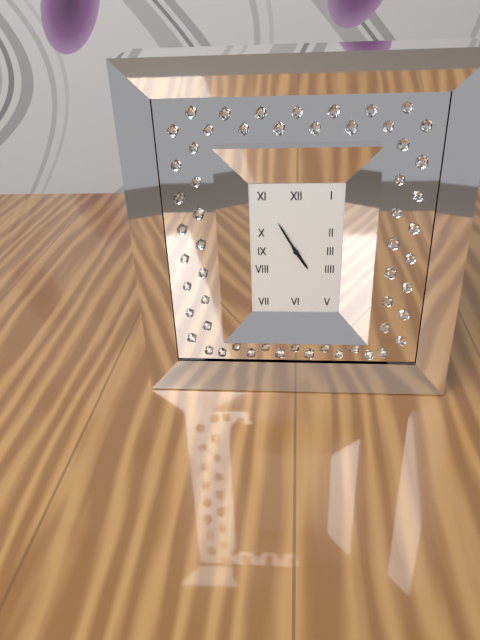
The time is **4:55**
